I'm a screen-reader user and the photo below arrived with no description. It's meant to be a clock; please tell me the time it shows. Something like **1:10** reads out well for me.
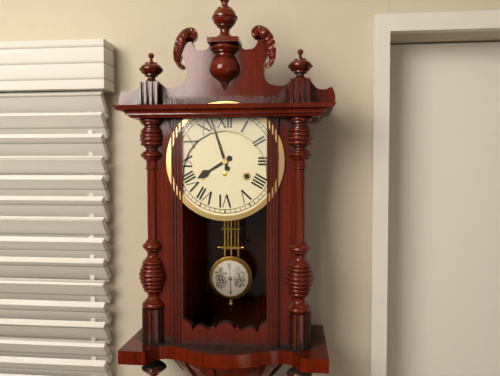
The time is **7:57**
